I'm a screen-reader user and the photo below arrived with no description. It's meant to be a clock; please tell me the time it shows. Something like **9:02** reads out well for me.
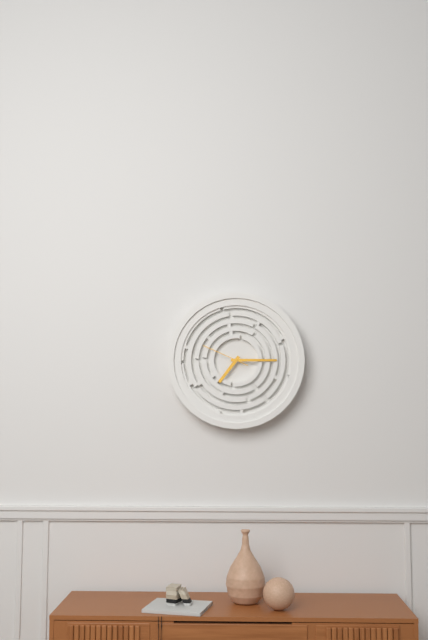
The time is **7:15**
